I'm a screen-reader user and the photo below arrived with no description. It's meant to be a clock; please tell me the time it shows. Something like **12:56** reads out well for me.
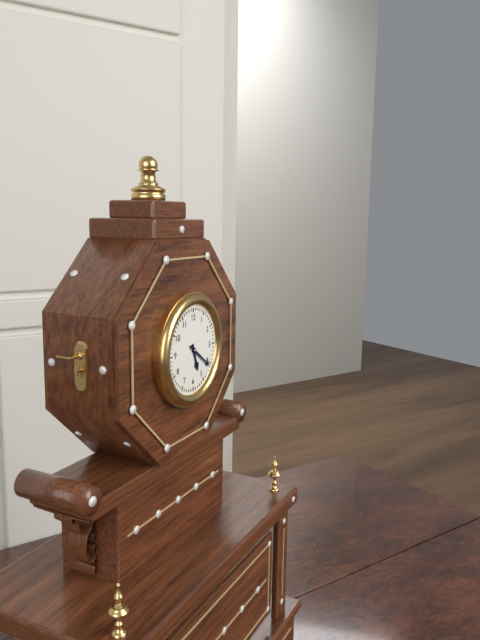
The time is **5:21**
